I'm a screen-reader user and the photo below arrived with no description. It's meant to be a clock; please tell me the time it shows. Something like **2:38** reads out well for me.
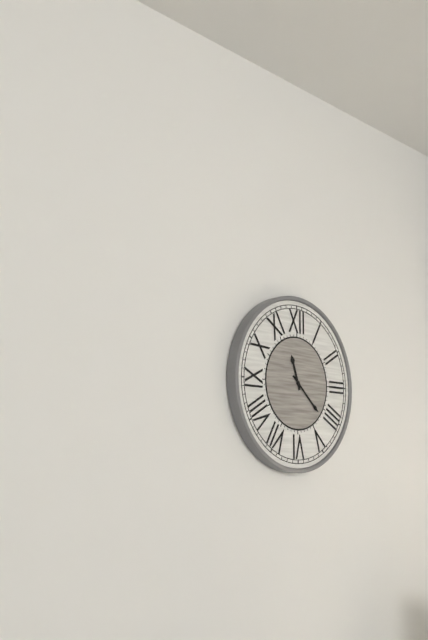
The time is **11:22**
